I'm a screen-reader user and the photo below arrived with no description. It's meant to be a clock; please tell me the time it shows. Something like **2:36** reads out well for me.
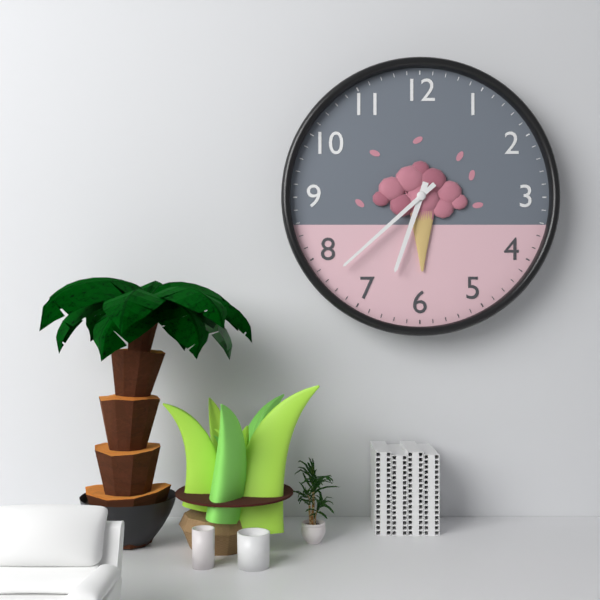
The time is **6:38**
